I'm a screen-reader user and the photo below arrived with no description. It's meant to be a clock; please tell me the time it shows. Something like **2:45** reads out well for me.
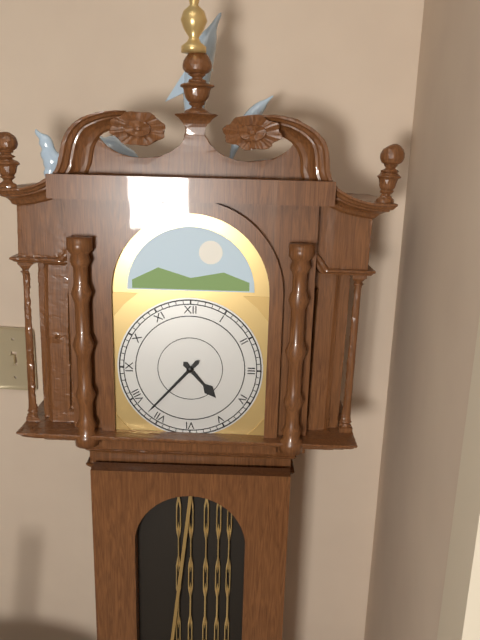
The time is **4:37**
